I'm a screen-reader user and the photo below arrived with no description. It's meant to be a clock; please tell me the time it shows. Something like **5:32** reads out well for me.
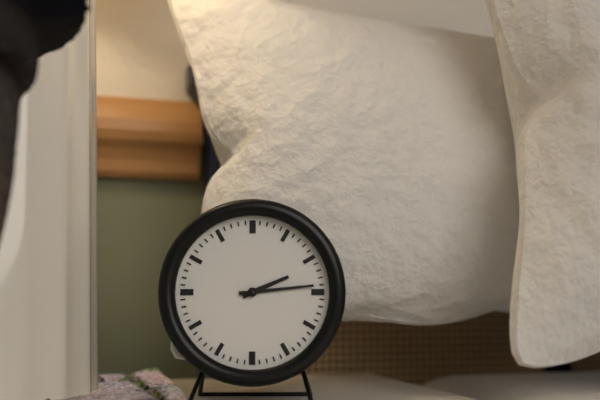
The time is **2:14**
